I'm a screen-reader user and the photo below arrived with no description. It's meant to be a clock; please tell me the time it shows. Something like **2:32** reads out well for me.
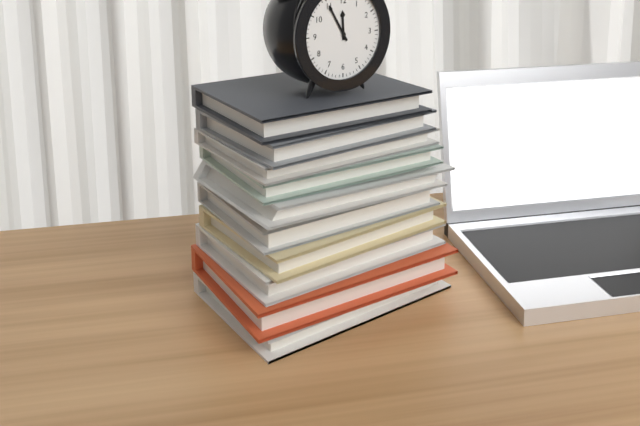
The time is **11:55**
